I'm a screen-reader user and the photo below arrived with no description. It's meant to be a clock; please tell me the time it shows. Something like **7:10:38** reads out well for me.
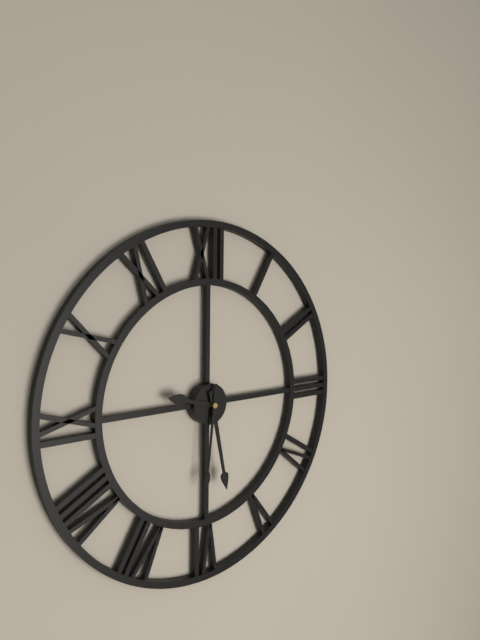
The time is **9:28:31**
